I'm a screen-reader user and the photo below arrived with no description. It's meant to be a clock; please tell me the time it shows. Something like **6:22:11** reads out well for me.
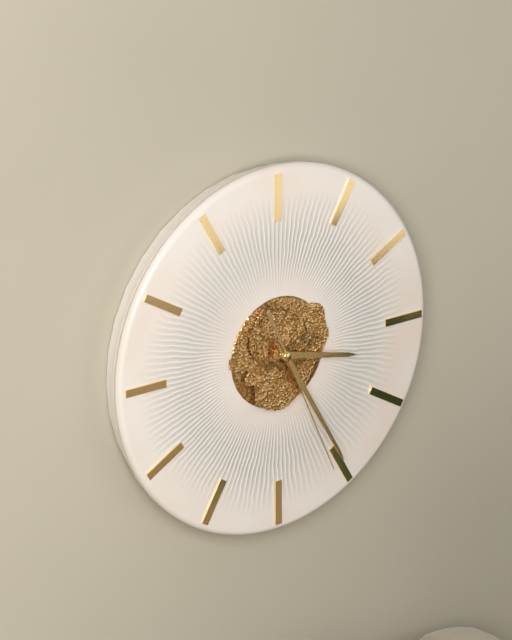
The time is **3:25:26**
